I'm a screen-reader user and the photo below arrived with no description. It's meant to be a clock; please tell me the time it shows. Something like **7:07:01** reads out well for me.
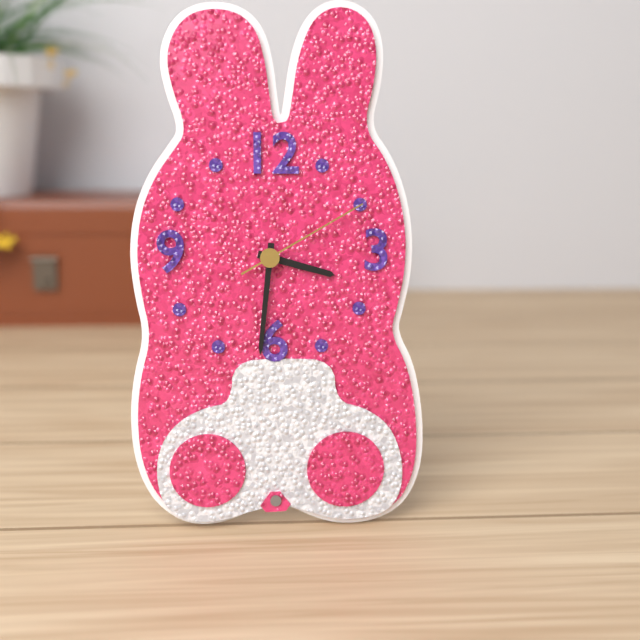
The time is **3:31:10**
